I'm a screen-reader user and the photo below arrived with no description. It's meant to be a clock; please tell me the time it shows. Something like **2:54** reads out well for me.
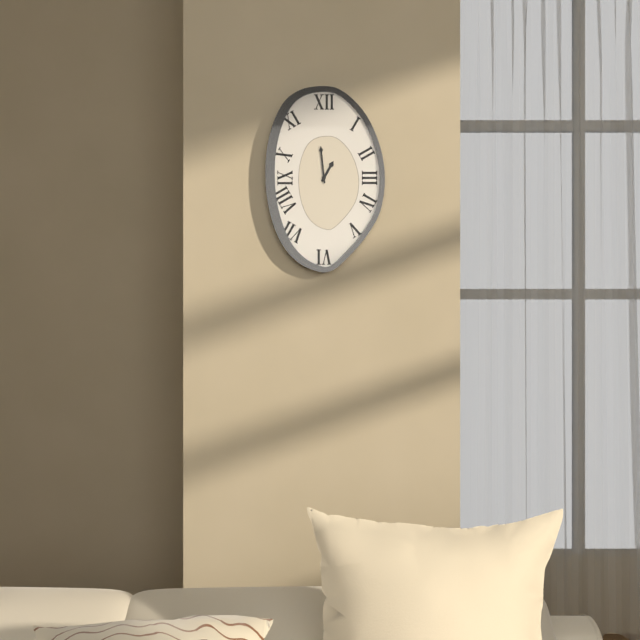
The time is **12:59**
